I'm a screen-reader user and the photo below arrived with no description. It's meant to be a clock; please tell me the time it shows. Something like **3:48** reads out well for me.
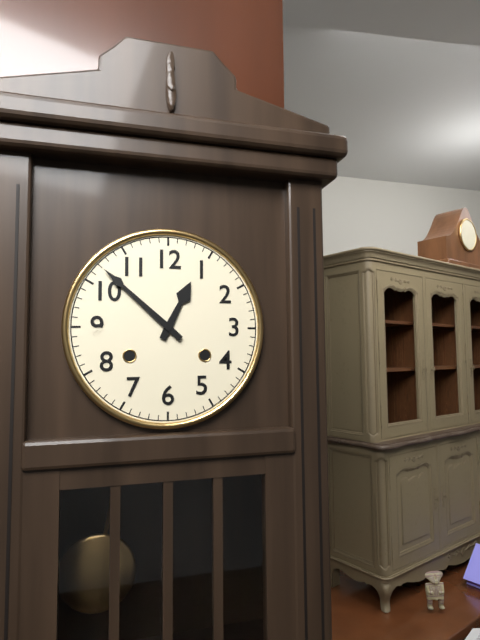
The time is **12:52**
